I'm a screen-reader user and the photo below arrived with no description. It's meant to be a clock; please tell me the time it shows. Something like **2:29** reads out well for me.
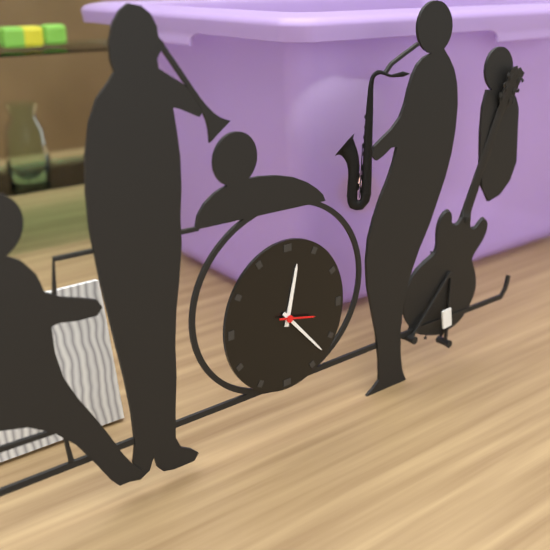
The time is **12:23**
